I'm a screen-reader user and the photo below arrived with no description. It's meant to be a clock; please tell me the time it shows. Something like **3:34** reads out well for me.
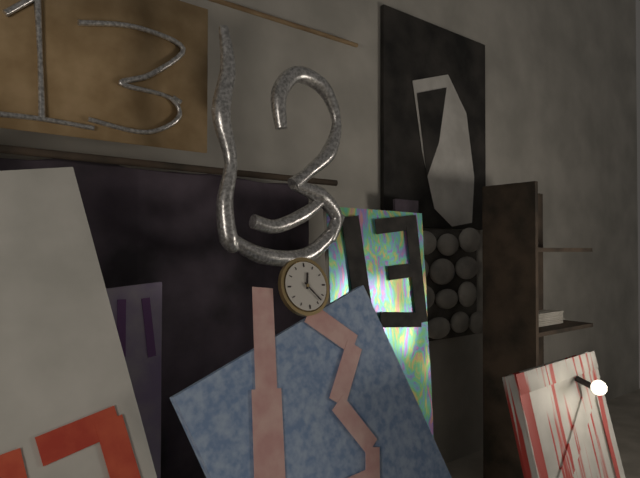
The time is **12:23**
